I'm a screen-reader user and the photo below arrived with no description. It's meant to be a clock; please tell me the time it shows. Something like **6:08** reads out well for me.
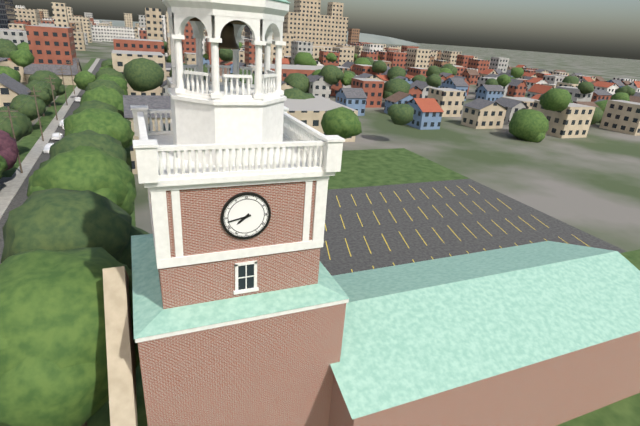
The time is **7:43**
